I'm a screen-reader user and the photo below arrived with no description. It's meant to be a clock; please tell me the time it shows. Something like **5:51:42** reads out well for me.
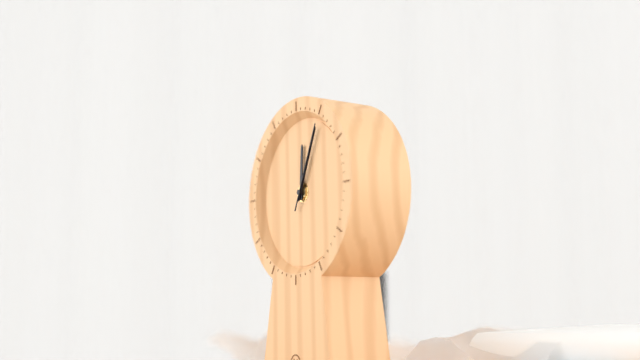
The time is **12:04:04**
